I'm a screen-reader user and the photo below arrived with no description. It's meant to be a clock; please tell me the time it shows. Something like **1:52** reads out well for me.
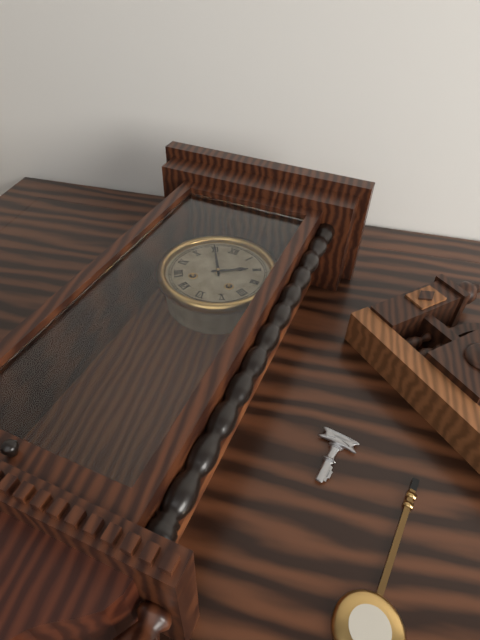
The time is **1:55**
